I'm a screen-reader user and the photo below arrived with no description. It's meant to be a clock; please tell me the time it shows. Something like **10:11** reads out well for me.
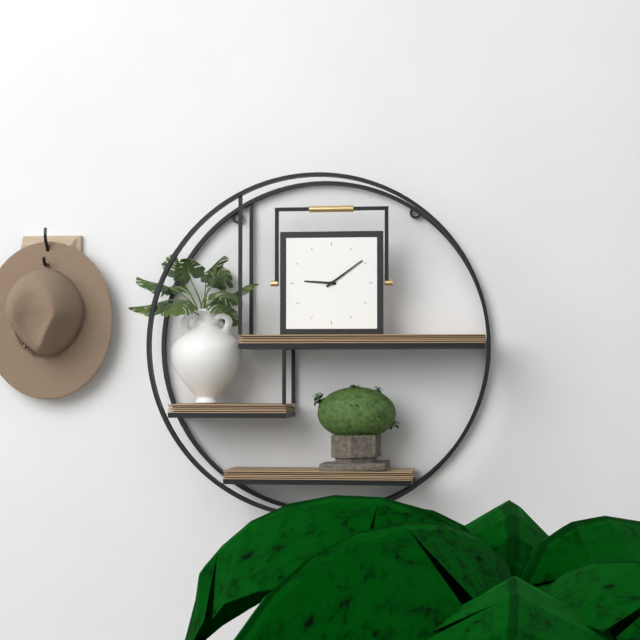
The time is **9:09**
